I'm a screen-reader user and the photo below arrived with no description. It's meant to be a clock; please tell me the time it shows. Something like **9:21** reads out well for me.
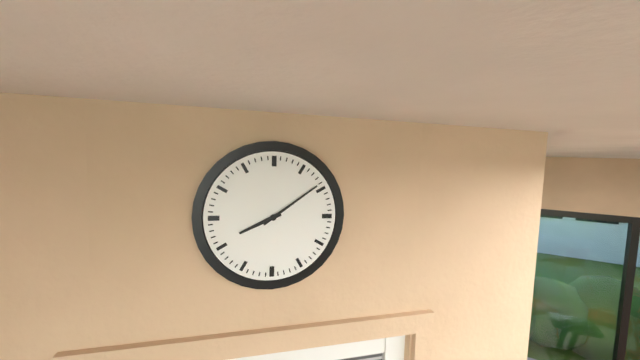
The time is **8:09**
